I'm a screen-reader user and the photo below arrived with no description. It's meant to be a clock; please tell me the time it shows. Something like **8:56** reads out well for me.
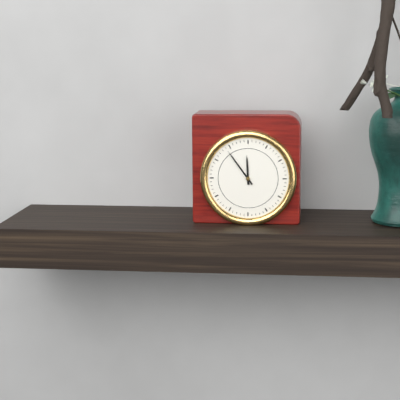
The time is **11:54**
